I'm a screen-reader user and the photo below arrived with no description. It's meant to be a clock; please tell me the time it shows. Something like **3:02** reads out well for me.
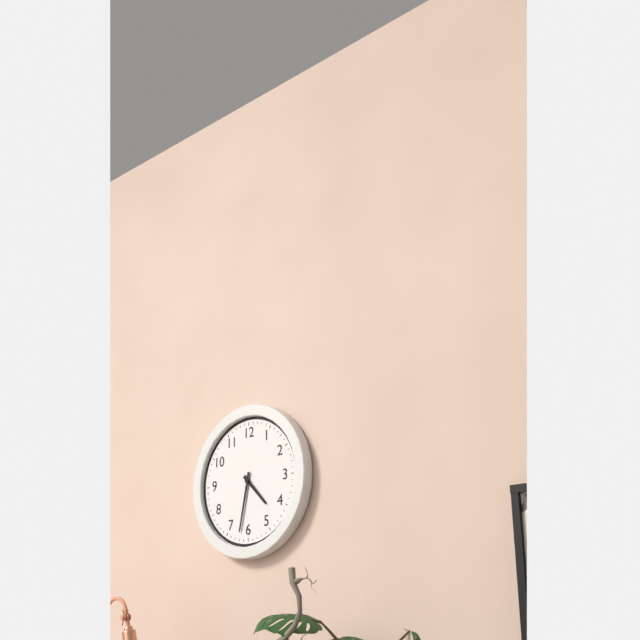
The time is **4:32**
